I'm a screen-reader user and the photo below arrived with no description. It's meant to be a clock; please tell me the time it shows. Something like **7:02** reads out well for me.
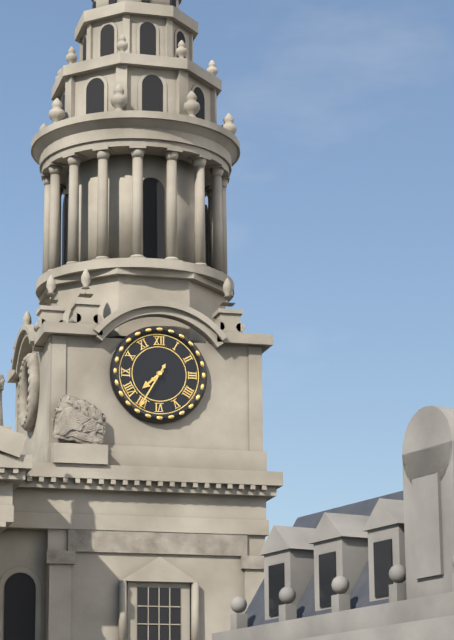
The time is **7:35**
